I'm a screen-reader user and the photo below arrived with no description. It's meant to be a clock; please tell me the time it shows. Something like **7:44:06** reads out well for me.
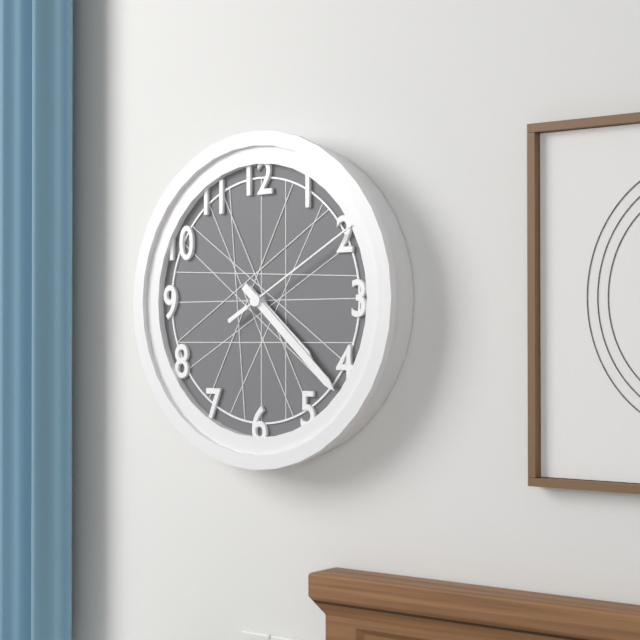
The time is **4:22:10**
